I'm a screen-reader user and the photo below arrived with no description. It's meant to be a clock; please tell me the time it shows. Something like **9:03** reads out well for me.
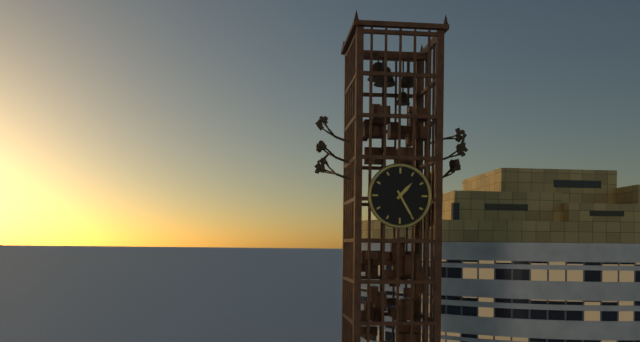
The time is **1:25**
